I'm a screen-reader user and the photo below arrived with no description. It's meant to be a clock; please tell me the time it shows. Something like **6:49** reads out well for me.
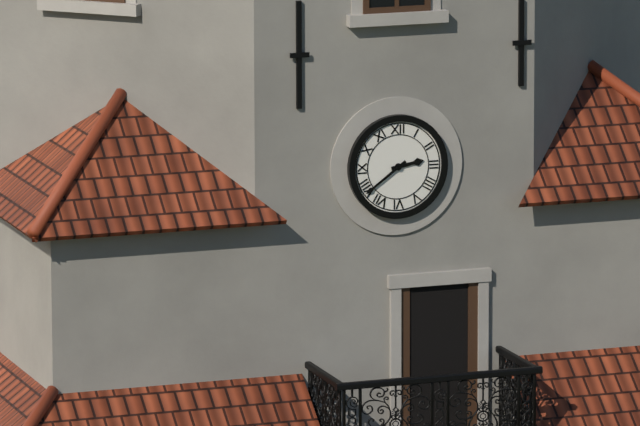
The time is **2:39**
